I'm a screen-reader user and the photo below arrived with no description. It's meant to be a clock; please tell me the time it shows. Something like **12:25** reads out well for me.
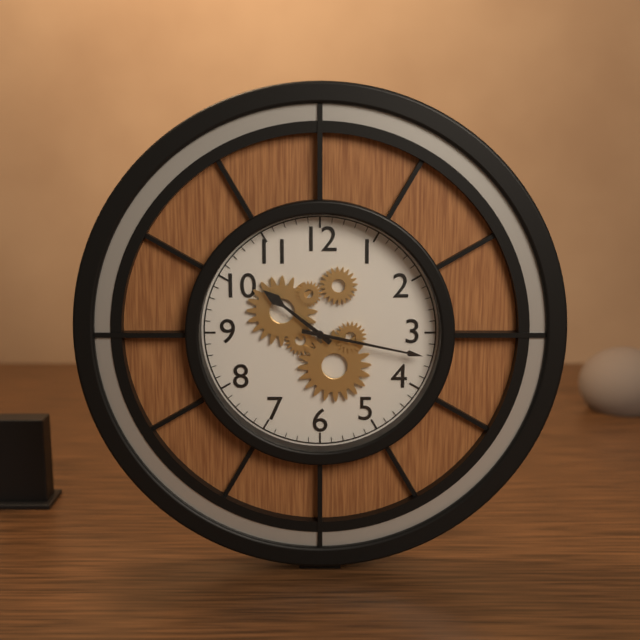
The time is **10:17**
